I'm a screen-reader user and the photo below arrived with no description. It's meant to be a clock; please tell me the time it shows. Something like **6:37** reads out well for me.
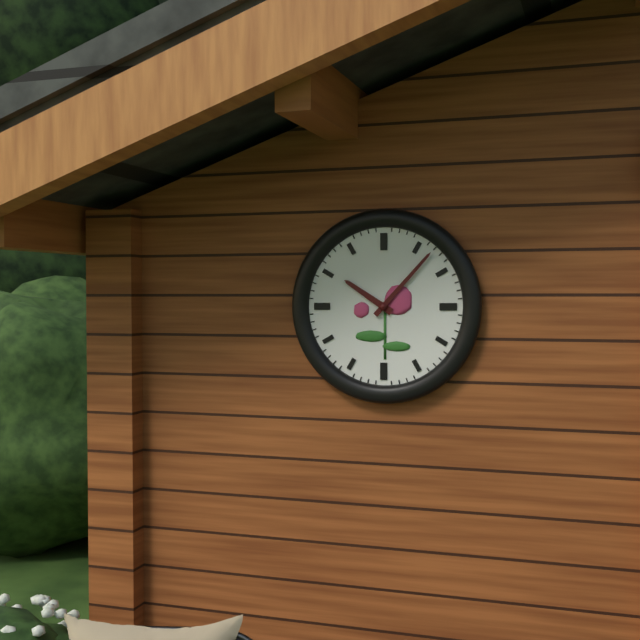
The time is **10:07**
